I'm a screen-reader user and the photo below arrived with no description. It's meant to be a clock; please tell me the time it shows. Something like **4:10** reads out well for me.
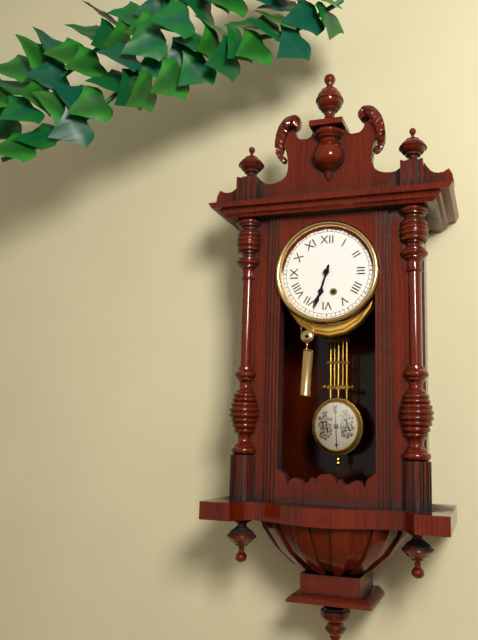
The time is **6:33**
